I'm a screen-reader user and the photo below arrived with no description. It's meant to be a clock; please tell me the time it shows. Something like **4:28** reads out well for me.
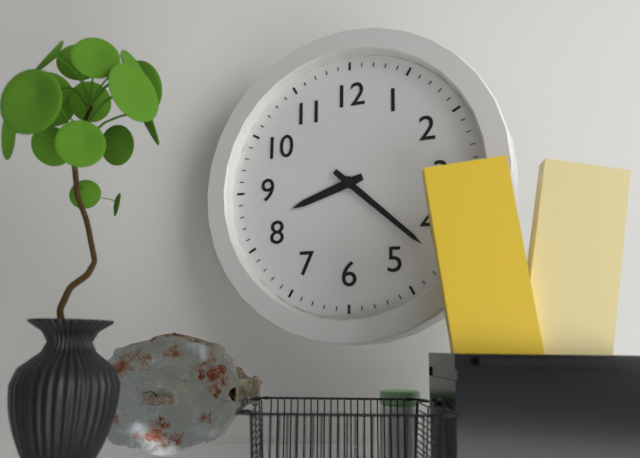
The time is **8:22**
